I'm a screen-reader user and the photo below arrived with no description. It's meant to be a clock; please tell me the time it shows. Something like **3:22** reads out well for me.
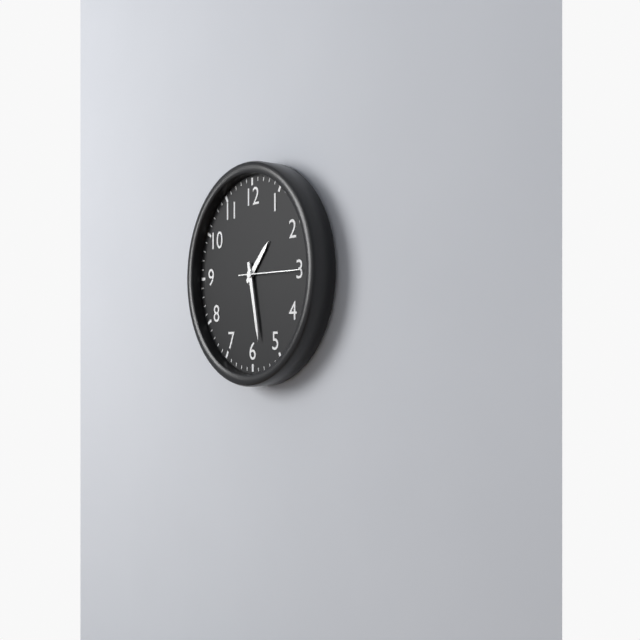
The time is **1:28**
